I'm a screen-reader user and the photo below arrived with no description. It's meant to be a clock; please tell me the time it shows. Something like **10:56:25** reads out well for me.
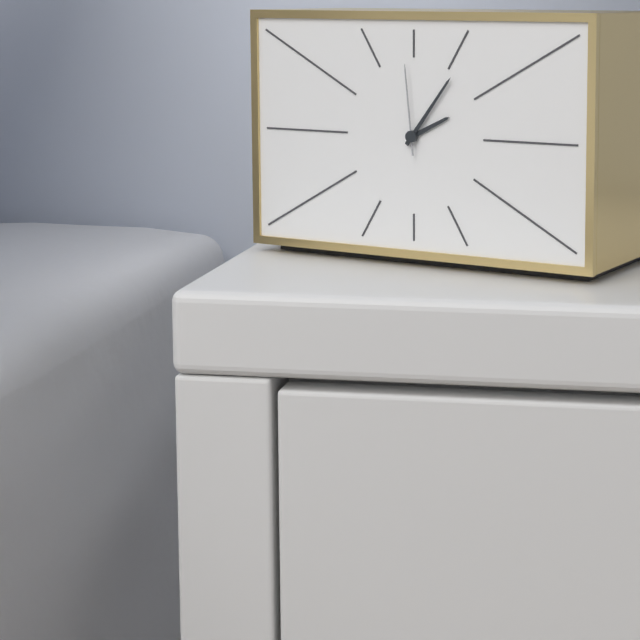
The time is **2:06:59**
